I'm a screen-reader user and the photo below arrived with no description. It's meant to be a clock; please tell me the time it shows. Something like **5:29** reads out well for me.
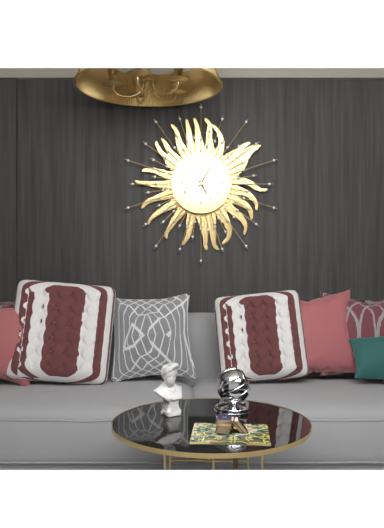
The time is **5:05**
